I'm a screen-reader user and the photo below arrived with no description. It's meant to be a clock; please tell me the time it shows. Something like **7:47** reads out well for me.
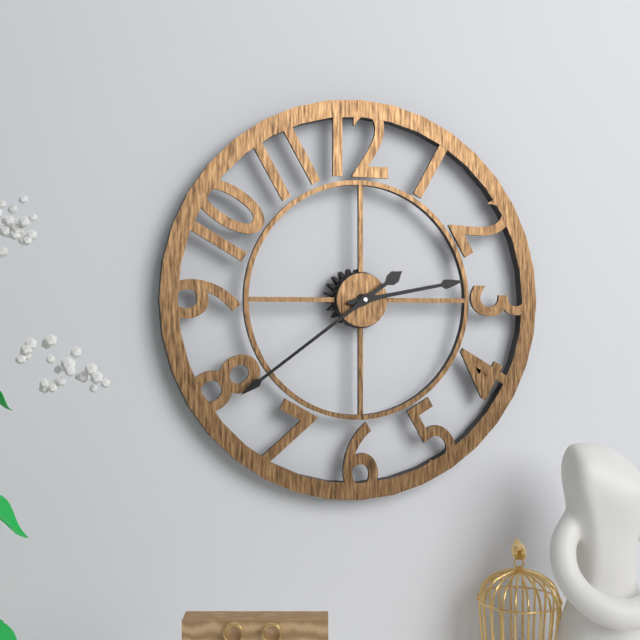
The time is **2:39**
